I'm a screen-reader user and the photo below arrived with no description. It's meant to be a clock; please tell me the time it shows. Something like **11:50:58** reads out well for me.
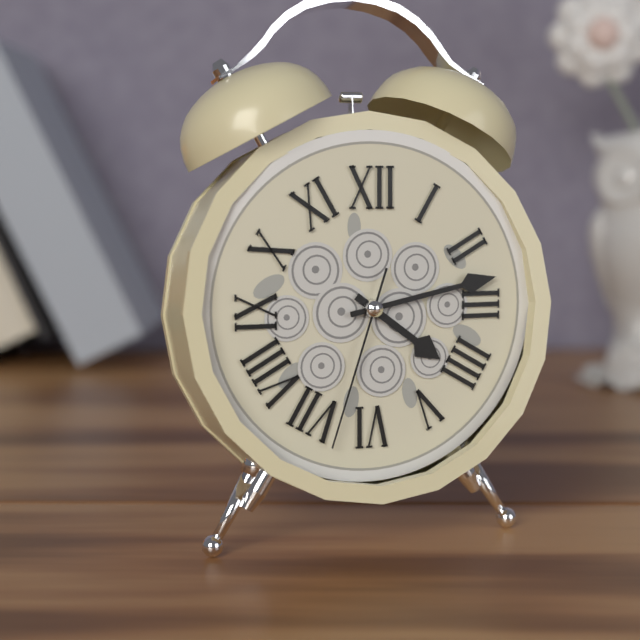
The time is **4:13:33**
